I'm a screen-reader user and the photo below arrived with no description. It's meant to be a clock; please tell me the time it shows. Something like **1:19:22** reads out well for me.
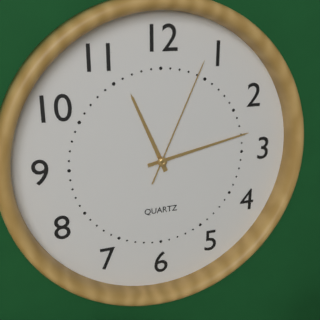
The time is **11:13:04**
